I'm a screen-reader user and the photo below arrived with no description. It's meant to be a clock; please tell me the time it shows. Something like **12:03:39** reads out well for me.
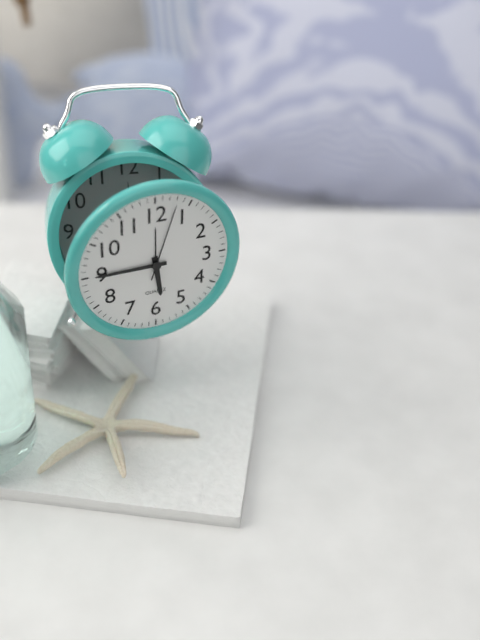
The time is **5:45:03**
